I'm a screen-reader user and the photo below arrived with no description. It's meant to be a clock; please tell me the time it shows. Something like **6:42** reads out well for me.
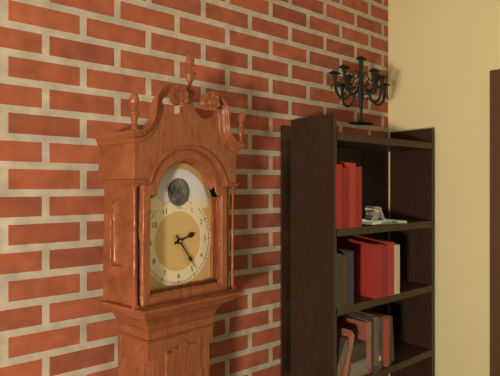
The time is **2:24**
